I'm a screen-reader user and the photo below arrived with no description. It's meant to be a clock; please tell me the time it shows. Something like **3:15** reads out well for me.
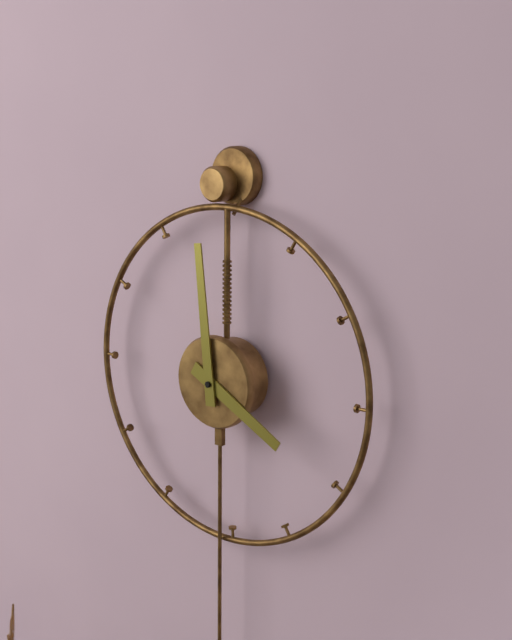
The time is **3:59**
